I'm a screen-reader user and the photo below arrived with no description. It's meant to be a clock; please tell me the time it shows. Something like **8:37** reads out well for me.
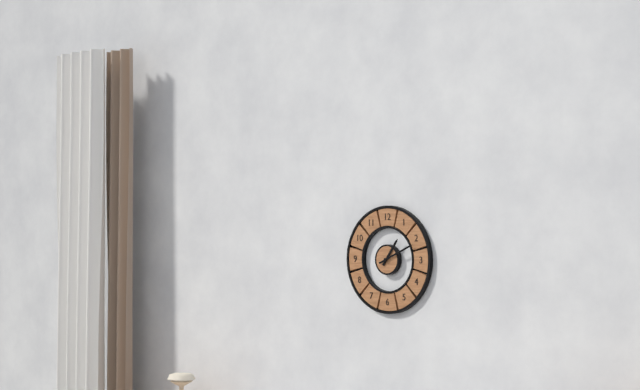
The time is **1:11**
